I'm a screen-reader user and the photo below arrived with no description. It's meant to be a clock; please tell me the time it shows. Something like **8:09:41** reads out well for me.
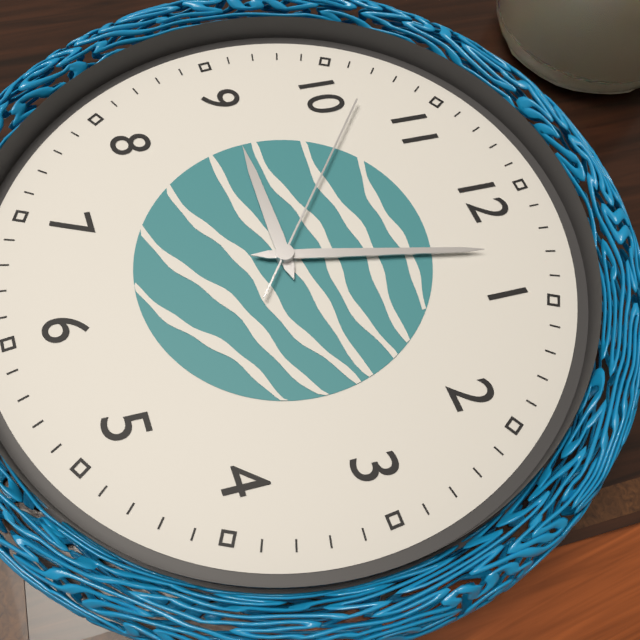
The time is **9:03:52**
